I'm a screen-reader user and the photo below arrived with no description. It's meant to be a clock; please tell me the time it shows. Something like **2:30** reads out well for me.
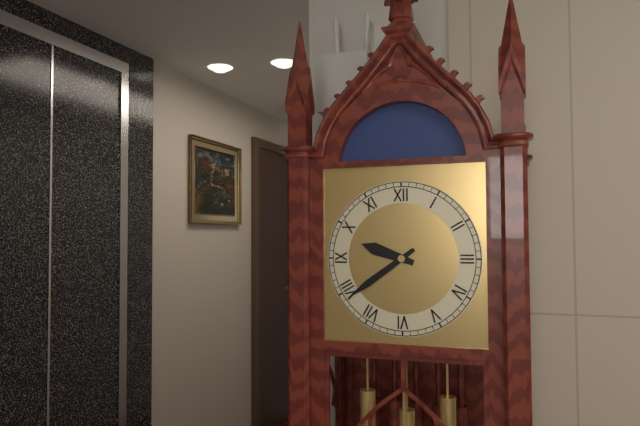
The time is **9:39**
